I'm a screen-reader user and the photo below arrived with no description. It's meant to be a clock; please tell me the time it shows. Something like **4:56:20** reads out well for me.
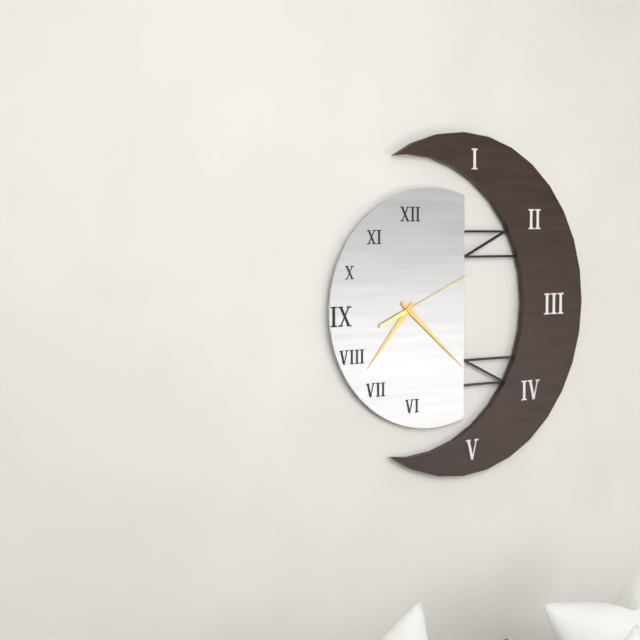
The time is **7:22:11**
